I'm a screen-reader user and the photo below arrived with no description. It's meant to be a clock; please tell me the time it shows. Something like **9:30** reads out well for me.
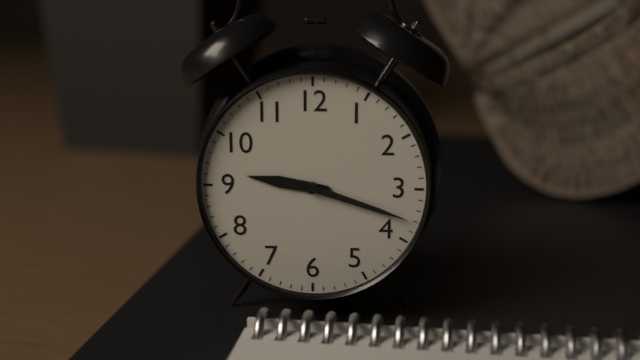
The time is **9:18**
